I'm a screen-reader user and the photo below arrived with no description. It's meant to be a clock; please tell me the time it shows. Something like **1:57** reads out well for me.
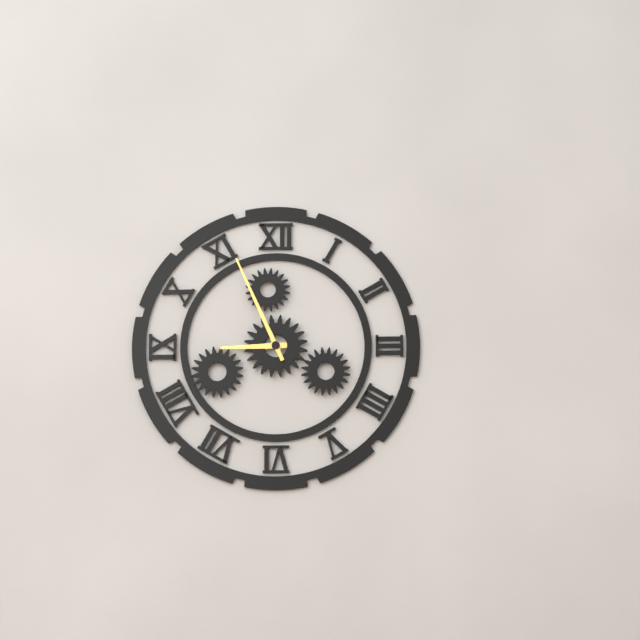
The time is **8:56**
